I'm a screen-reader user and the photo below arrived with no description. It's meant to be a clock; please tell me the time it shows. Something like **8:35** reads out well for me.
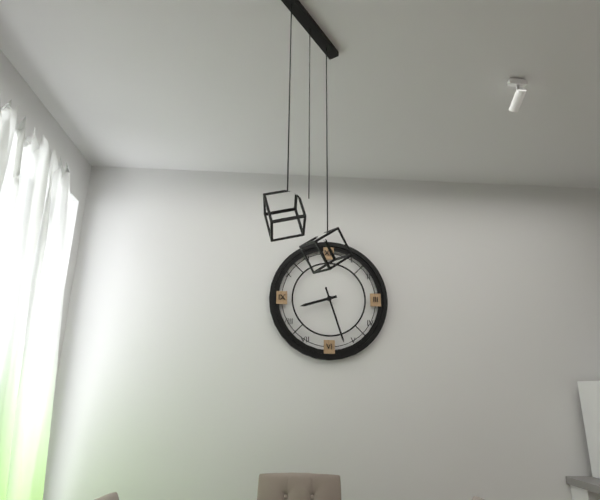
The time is **8:27**
